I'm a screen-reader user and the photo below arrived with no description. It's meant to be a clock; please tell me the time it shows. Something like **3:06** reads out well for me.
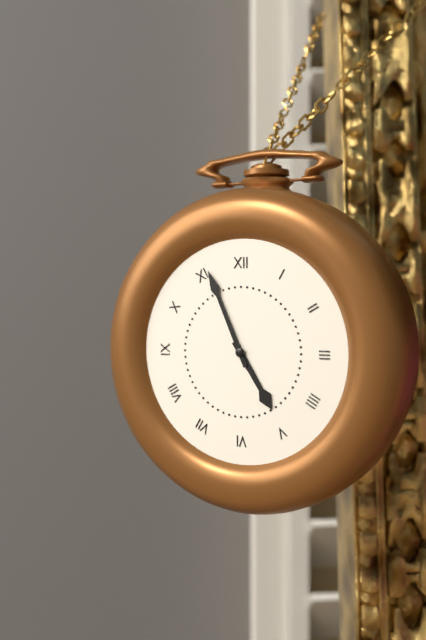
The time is **4:56**
